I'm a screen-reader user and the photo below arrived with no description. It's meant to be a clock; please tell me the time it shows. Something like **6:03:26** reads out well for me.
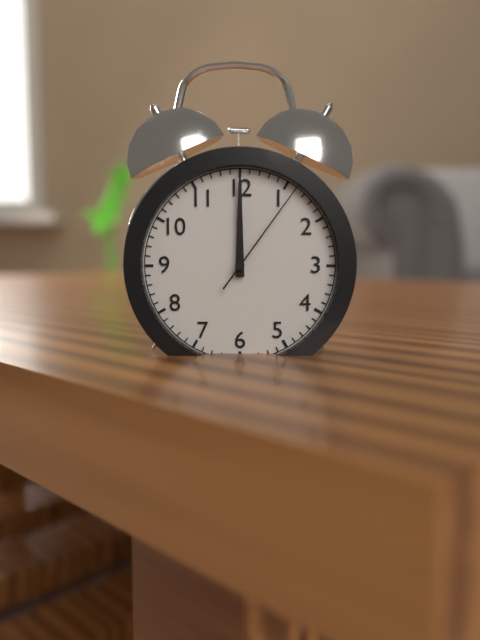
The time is **12:00:06**
